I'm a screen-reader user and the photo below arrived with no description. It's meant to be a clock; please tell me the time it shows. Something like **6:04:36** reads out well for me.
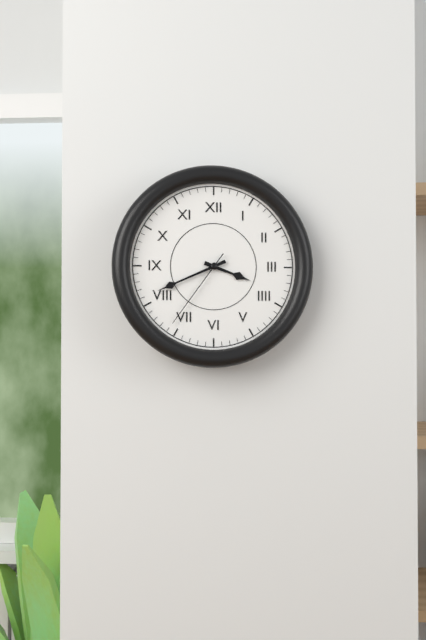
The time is **3:41:36**
